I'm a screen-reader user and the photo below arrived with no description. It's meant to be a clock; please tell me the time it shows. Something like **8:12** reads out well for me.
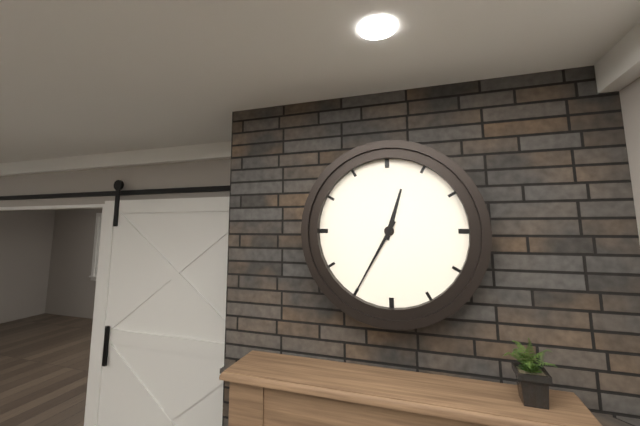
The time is **12:35**
